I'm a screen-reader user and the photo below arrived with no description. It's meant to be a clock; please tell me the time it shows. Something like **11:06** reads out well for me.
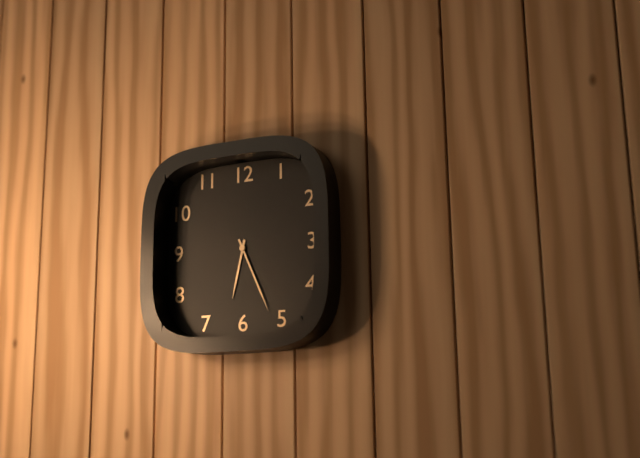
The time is **6:26**
